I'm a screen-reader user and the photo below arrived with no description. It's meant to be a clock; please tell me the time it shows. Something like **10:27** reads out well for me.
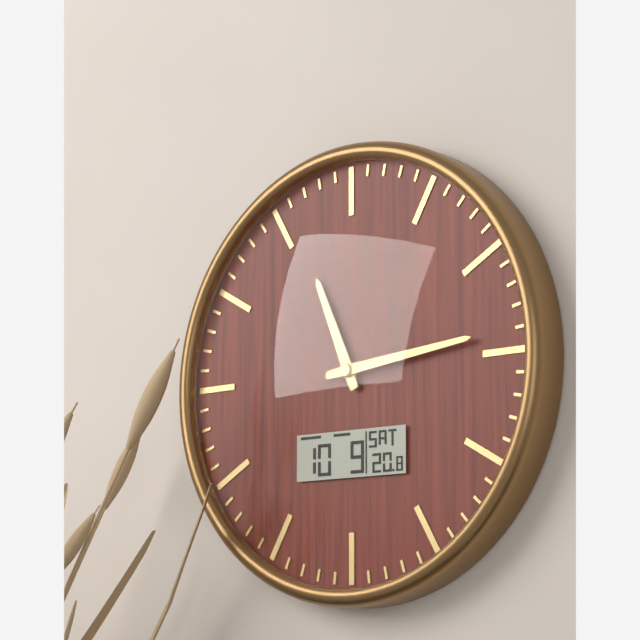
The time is **11:14**
